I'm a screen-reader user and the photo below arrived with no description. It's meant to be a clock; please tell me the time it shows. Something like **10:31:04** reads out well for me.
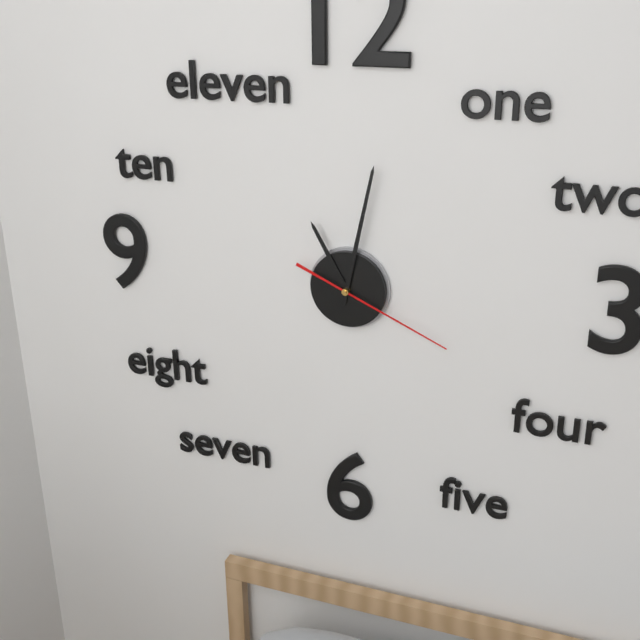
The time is **11:02:19**
